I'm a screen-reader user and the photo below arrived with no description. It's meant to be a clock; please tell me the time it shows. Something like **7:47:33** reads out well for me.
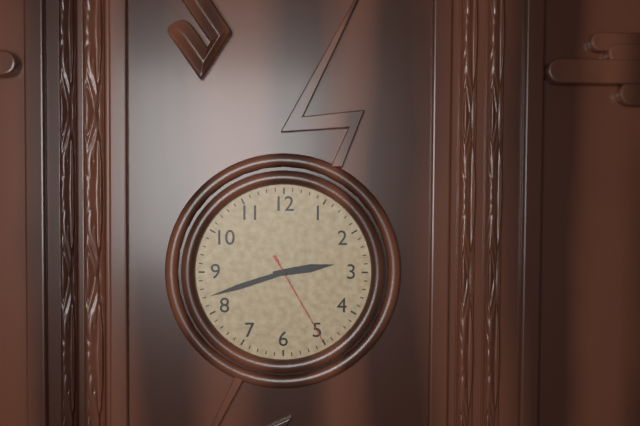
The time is **2:42:25**
